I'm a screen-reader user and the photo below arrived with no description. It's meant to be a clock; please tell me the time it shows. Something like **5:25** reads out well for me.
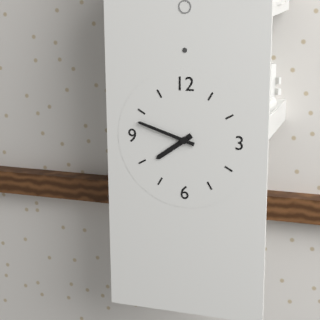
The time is **7:48**
